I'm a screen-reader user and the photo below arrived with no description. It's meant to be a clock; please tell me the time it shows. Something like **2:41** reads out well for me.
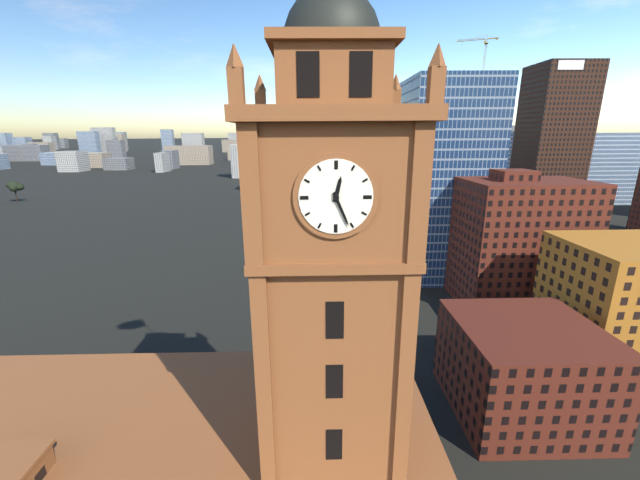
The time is **12:26**
